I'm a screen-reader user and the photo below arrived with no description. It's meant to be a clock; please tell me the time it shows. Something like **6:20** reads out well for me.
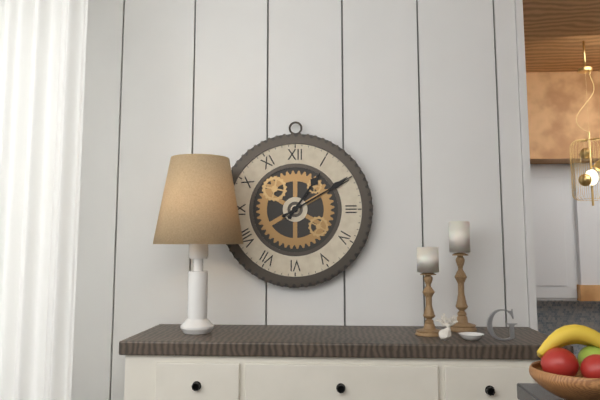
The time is **1:10**
